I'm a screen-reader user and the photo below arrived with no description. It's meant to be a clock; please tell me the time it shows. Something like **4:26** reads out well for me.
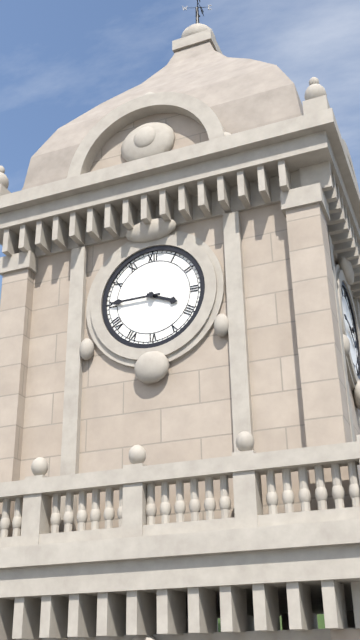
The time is **3:45**
